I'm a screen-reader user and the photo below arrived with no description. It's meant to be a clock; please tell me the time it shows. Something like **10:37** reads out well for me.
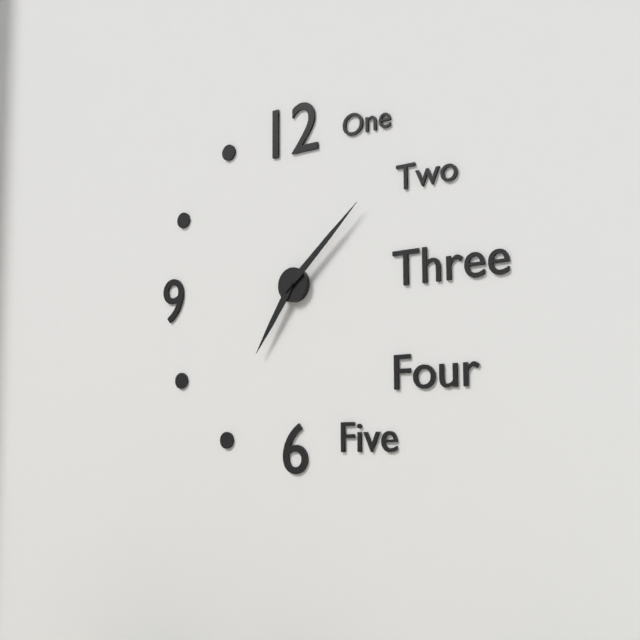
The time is **7:08**
